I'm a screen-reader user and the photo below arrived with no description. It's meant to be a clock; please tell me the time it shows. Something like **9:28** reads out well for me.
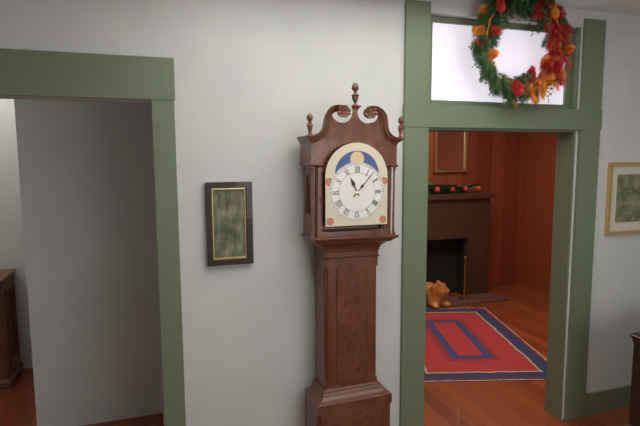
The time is **11:07**
